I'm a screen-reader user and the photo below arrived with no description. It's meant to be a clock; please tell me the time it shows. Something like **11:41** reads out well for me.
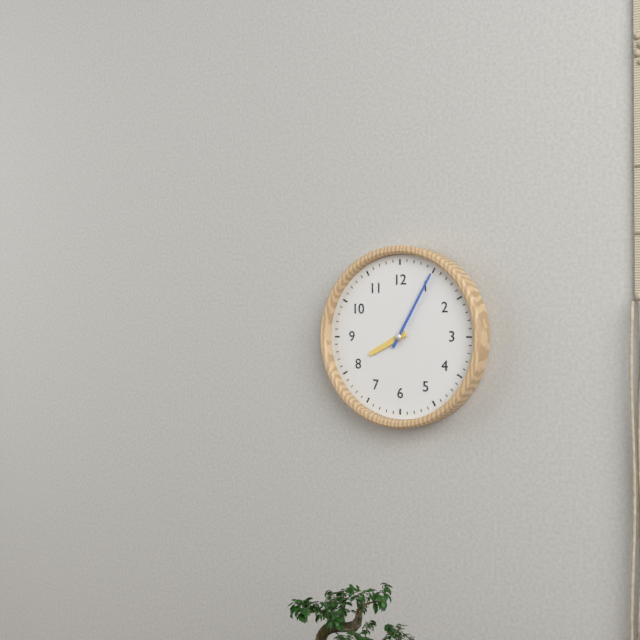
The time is **8:05**
